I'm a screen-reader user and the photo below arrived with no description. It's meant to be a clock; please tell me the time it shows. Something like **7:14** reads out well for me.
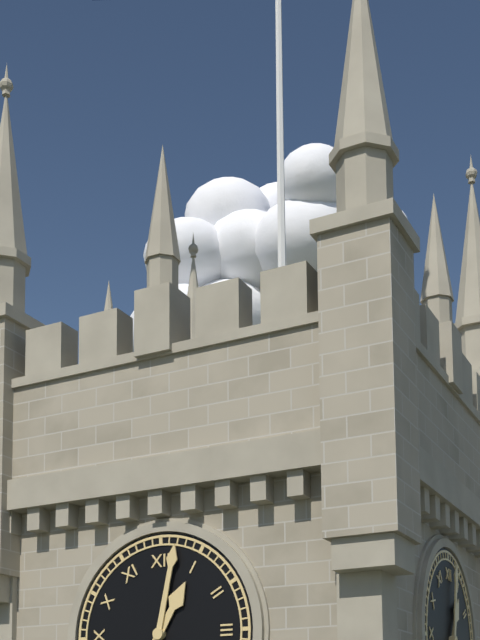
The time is **1:02**
